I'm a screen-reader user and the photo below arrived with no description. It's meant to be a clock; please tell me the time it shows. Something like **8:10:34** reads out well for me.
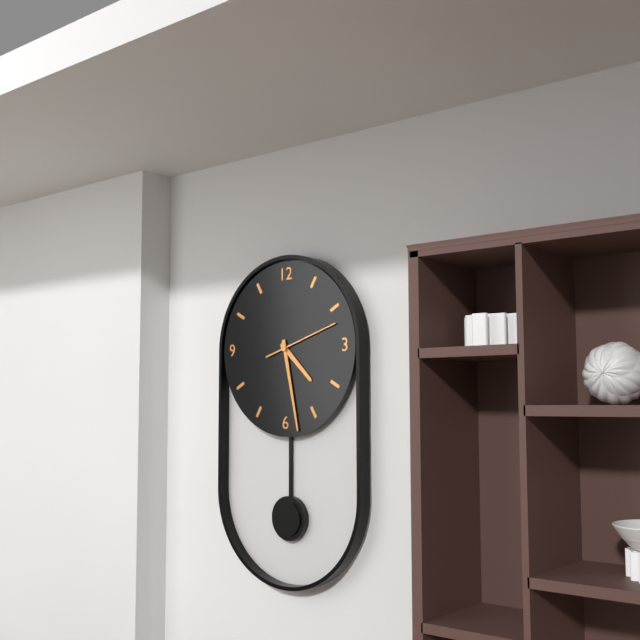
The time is **4:28:12**
